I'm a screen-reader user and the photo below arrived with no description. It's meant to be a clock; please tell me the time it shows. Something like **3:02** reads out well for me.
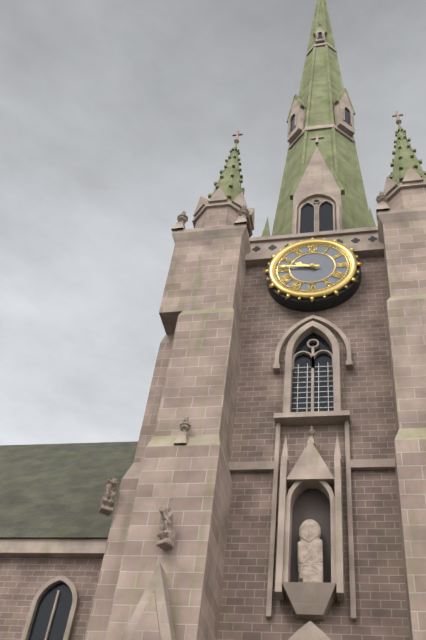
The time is **9:46**
